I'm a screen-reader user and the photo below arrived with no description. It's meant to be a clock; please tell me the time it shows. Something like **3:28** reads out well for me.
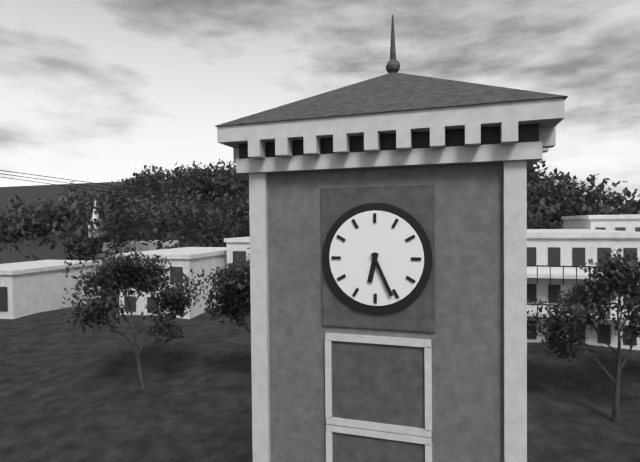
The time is **6:26**
